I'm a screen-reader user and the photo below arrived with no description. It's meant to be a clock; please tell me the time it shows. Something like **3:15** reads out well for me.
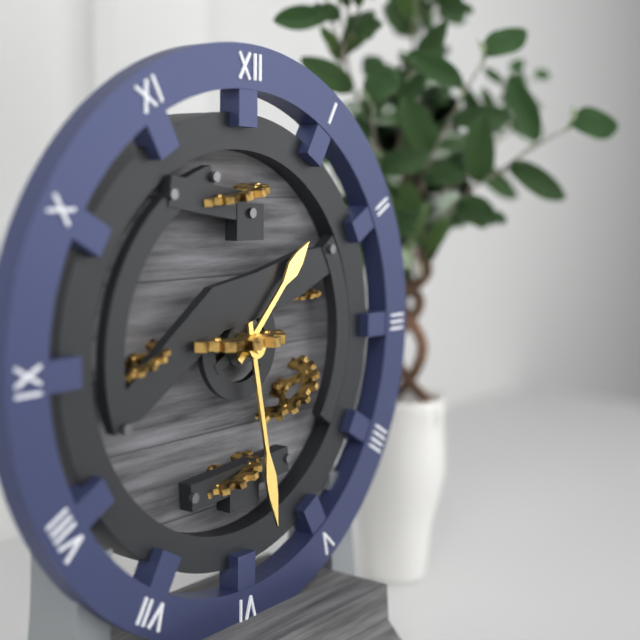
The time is **1:28**
